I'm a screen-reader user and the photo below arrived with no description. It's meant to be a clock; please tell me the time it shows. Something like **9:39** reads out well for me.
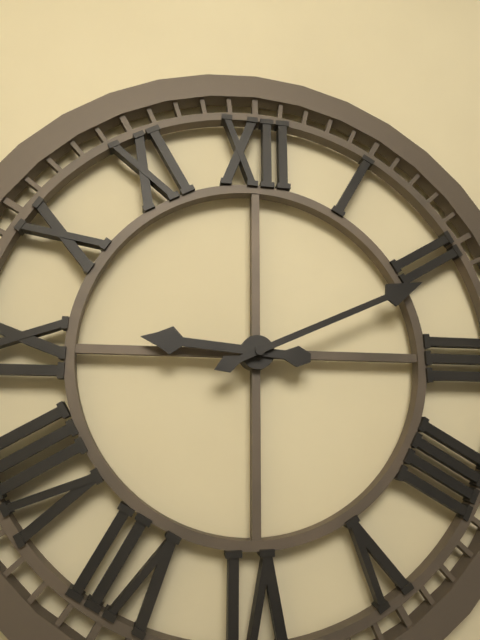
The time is **9:11**
